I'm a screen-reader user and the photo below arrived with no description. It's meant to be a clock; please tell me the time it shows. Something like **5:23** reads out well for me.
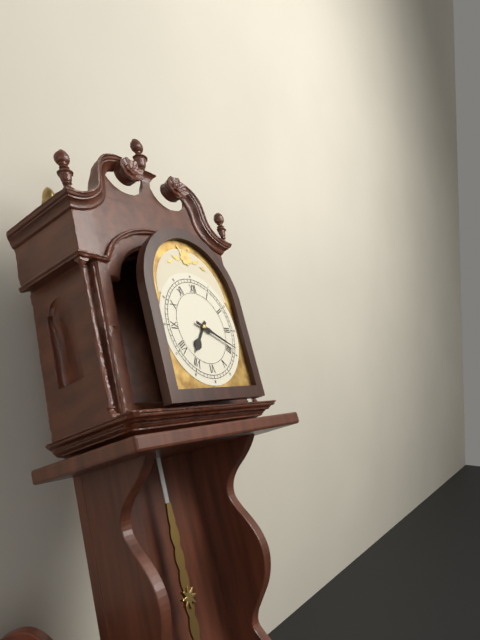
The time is **7:19**
